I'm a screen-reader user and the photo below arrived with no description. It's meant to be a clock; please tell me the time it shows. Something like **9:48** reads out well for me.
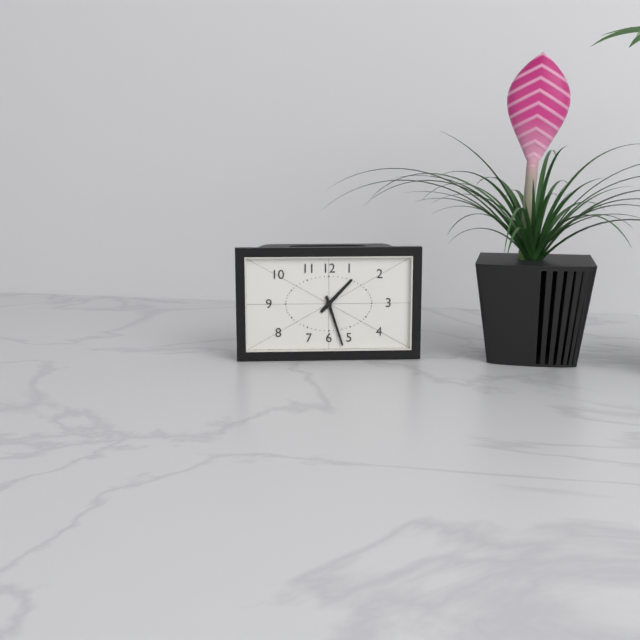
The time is **1:27**
